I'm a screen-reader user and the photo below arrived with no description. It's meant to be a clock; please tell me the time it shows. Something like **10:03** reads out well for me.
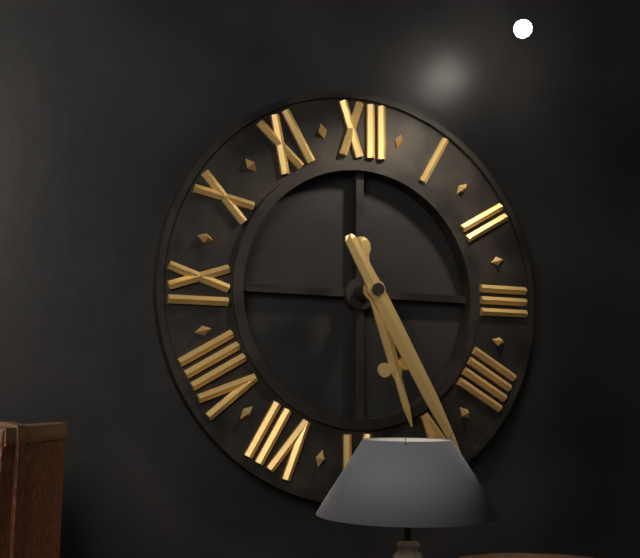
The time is **5:25**
